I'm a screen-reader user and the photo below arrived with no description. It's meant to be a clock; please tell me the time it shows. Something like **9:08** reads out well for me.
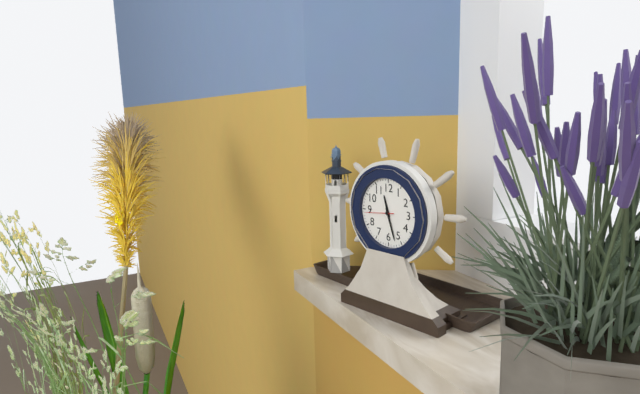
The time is **11:27**
